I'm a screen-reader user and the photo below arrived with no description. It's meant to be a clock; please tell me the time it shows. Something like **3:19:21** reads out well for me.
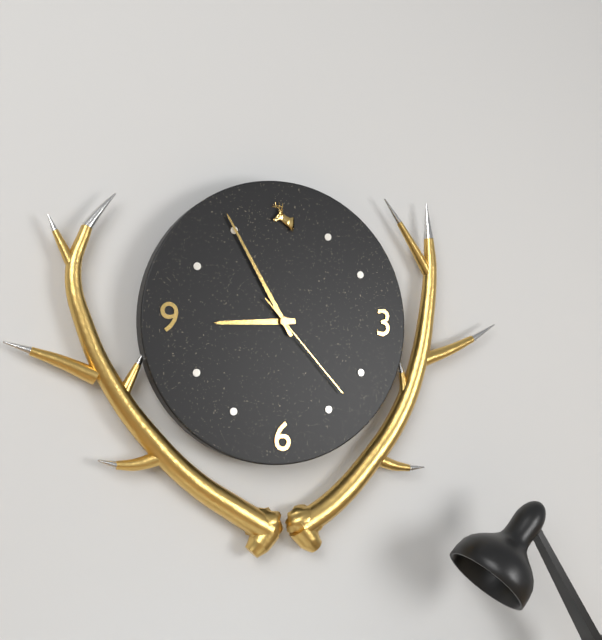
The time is **8:55:23**
